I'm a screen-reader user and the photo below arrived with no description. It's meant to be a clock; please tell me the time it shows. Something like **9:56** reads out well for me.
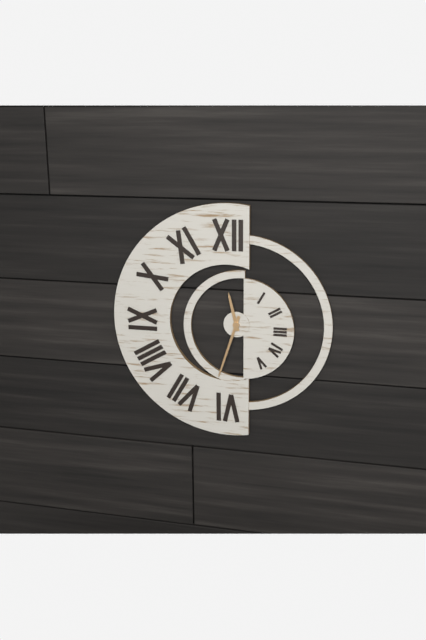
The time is **11:33**
